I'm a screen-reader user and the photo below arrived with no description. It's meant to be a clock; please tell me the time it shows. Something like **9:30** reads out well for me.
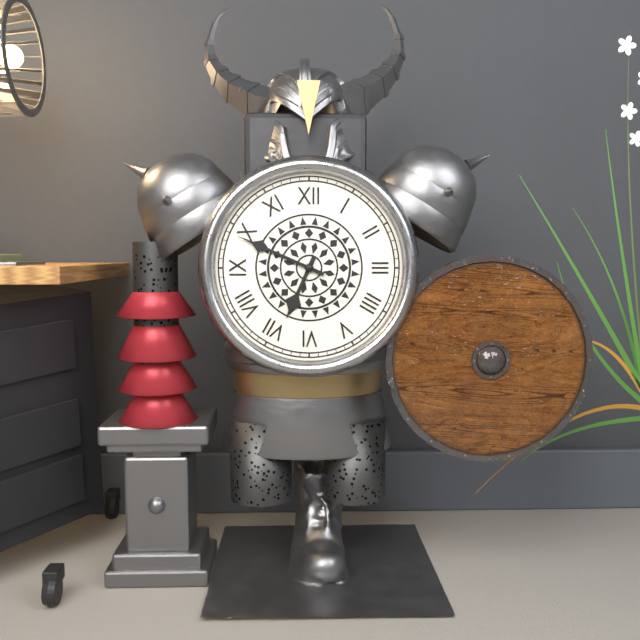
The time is **6:49**
